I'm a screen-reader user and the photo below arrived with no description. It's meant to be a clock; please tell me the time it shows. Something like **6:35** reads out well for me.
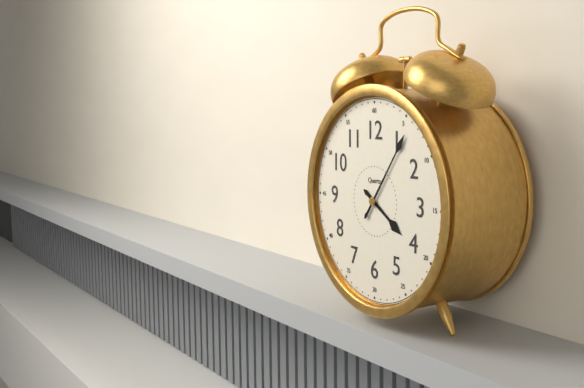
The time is **4:06**
